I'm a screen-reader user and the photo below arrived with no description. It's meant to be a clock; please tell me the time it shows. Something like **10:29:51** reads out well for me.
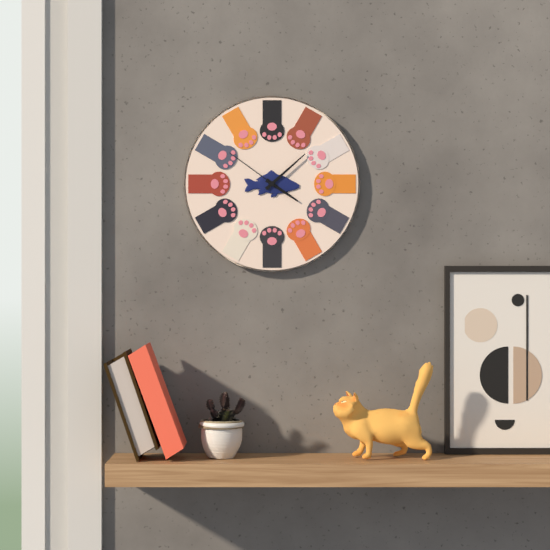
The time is **4:08:51**
